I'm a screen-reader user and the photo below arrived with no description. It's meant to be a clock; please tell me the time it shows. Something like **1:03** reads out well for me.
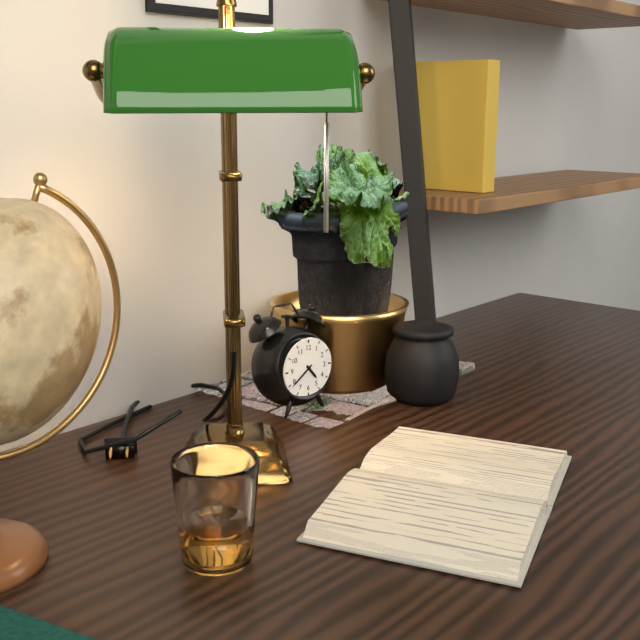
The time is **4:39**
